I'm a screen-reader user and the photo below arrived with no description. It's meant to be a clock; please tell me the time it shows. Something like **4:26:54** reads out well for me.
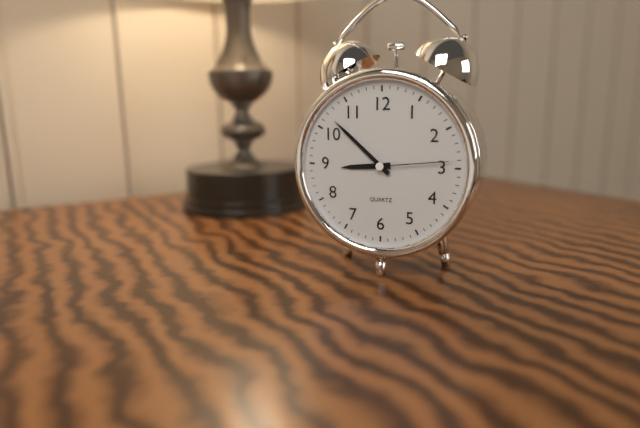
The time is **8:52:14**
